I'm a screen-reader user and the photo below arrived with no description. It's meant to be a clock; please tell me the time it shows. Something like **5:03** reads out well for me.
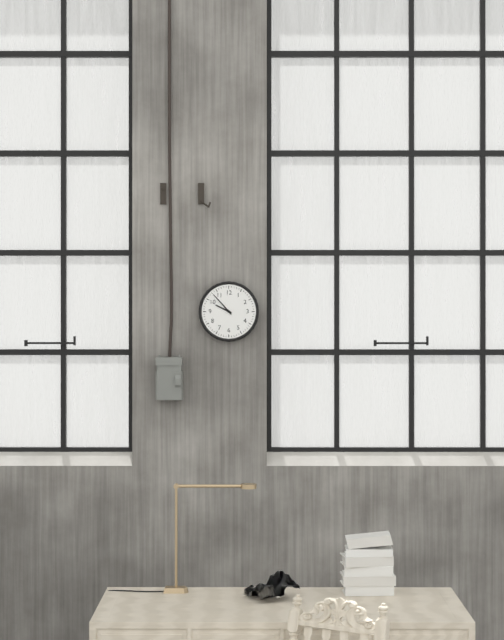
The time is **9:53**
